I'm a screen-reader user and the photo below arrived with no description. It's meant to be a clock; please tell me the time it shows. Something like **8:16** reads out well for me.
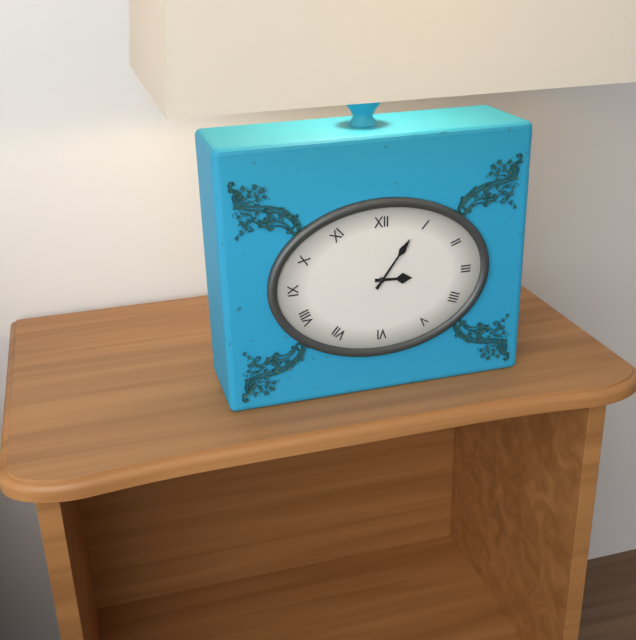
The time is **3:06**
